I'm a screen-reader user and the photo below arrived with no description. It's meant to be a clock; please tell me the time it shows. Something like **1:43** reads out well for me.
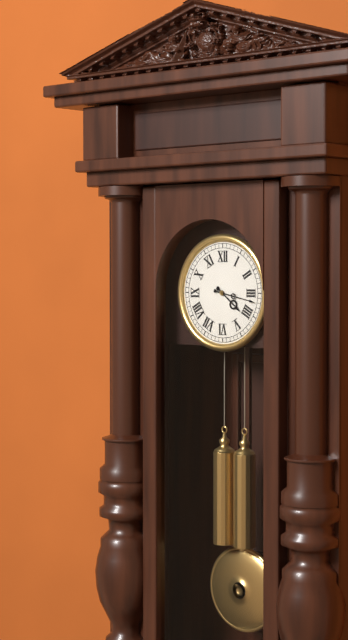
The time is **4:17**
